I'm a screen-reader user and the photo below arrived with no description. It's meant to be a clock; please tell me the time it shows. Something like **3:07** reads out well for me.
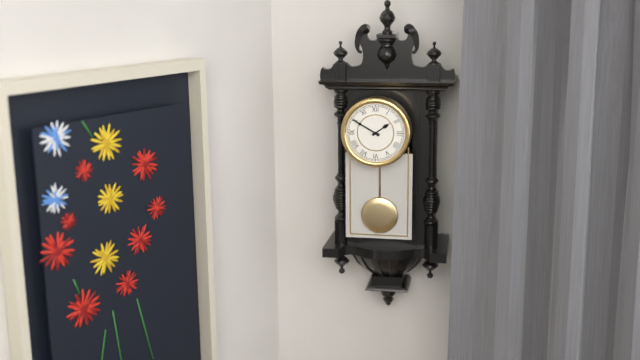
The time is **1:50**
